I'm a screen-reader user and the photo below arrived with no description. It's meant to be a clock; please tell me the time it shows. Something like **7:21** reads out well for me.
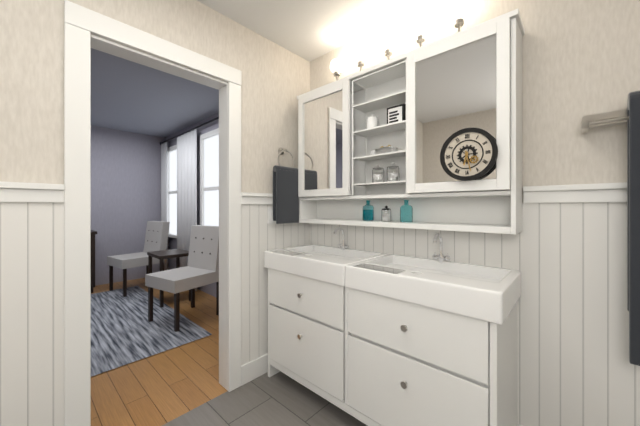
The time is **6:28**
